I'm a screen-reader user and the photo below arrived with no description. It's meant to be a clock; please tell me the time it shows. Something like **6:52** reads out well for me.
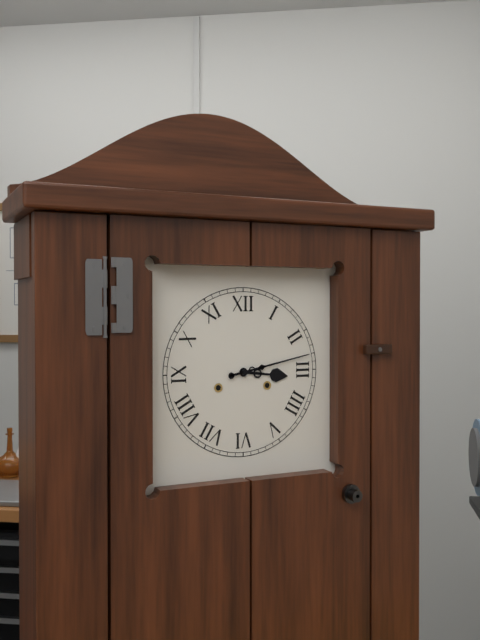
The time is **3:13**
